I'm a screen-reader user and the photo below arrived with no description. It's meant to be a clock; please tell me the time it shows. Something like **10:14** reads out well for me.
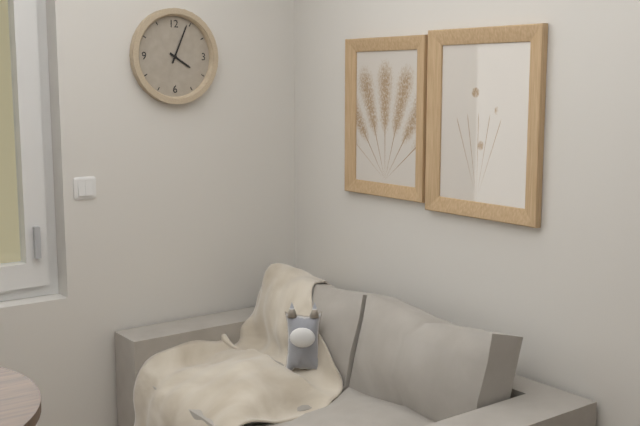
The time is **4:04**
